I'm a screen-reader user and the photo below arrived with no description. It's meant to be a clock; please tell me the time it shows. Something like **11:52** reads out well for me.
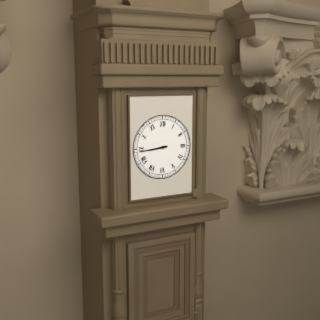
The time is **8:44**
